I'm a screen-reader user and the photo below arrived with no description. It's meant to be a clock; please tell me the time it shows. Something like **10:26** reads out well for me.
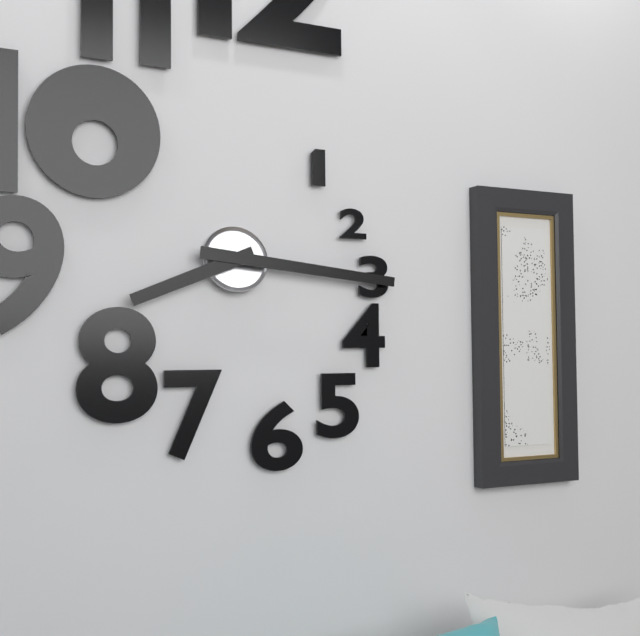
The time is **8:16**
